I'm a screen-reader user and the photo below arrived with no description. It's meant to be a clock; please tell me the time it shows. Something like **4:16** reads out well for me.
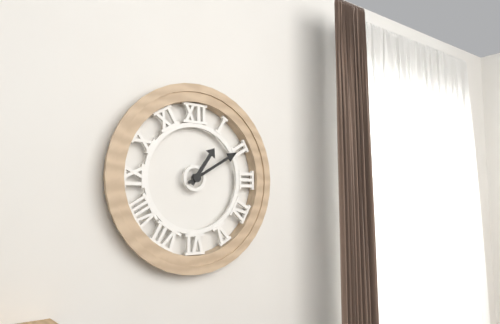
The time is **1:10**
